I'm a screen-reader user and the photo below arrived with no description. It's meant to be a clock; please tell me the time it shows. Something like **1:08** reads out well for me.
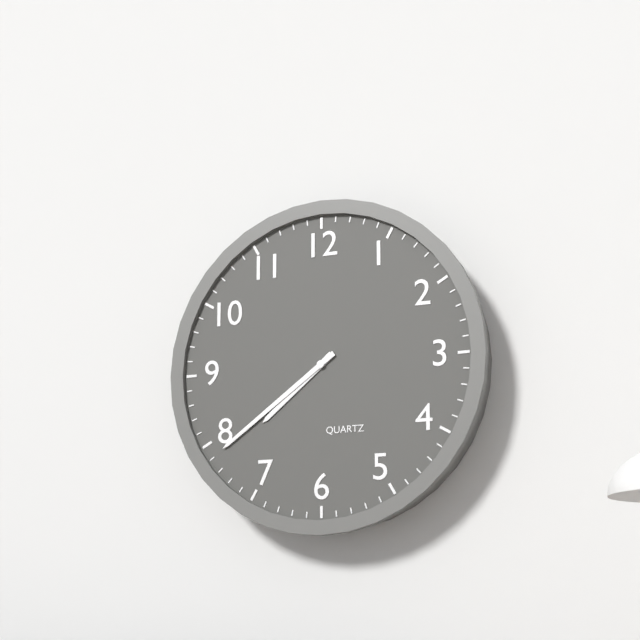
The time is **7:39**
